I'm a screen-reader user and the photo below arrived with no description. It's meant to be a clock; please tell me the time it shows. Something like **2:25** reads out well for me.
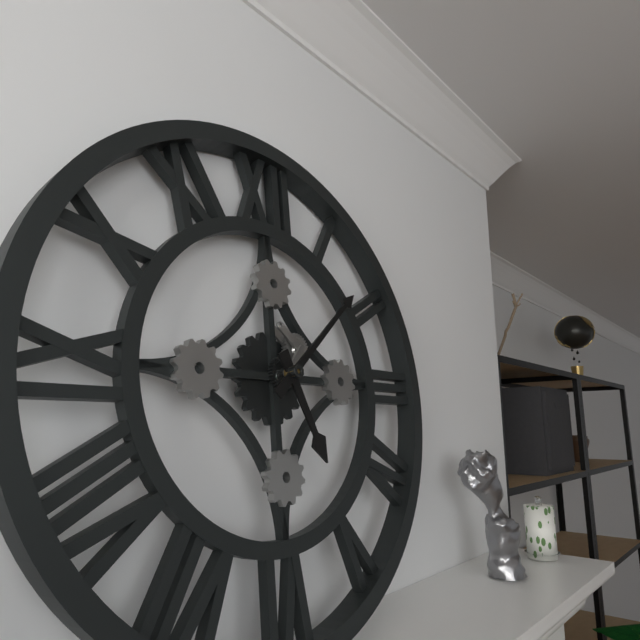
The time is **5:08**
